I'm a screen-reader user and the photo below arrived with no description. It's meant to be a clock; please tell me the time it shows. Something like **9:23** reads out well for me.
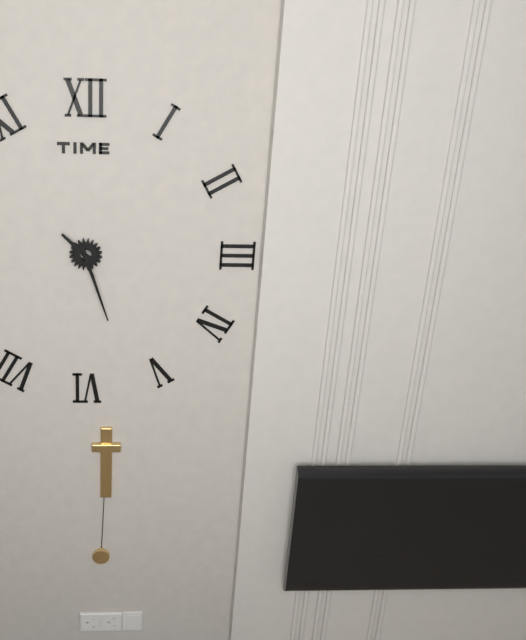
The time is **10:27**
